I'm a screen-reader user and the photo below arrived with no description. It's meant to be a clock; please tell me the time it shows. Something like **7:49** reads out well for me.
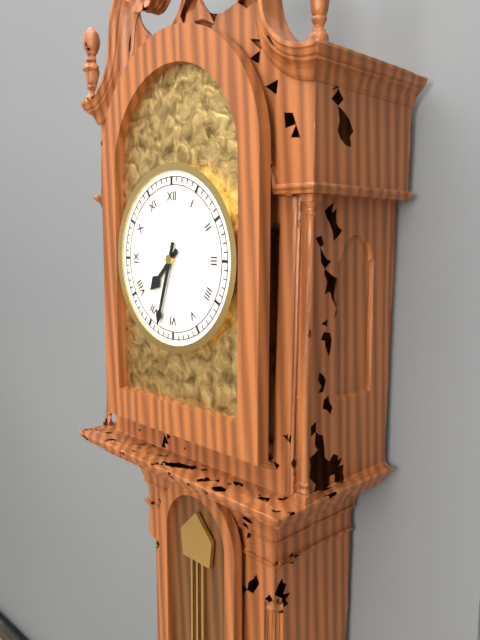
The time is **7:33**
